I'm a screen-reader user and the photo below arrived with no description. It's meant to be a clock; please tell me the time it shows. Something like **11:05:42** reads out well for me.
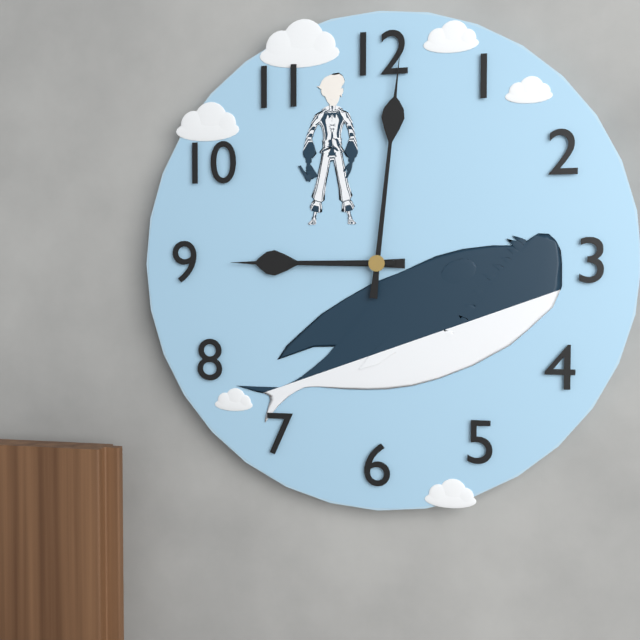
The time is **9:01:45**
